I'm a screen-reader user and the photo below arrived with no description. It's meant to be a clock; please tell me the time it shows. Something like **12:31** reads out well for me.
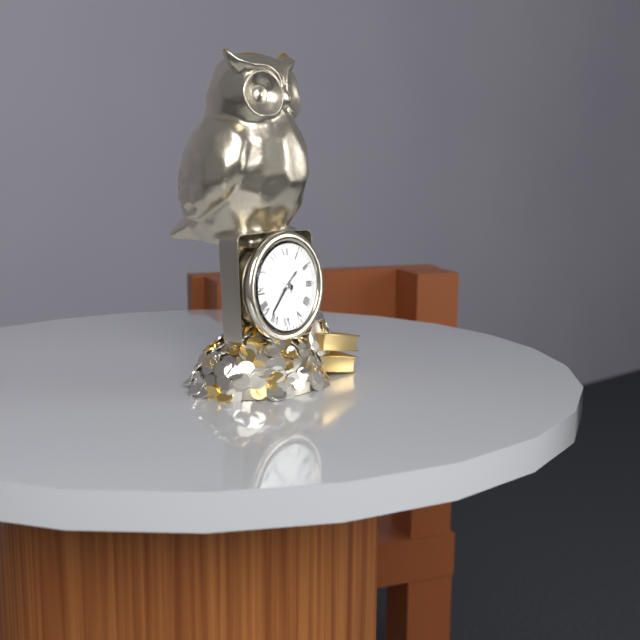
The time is **1:37**
